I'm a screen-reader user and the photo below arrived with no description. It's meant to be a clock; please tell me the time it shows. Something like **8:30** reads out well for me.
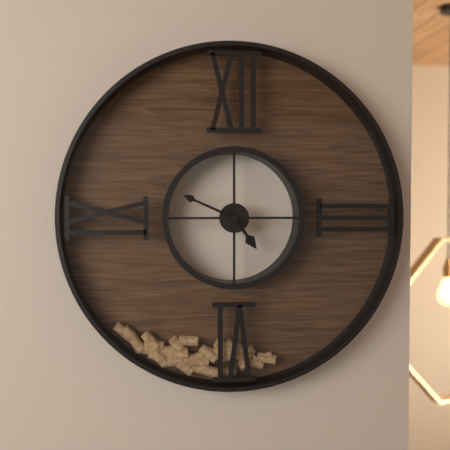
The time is **4:49**
